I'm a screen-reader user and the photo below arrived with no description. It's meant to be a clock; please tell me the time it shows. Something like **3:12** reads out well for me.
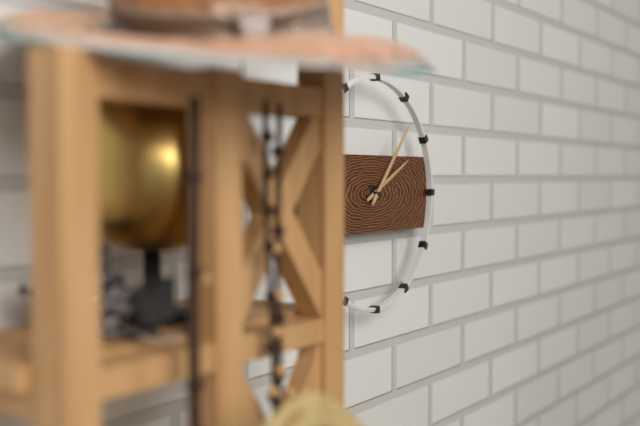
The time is **2:07**
